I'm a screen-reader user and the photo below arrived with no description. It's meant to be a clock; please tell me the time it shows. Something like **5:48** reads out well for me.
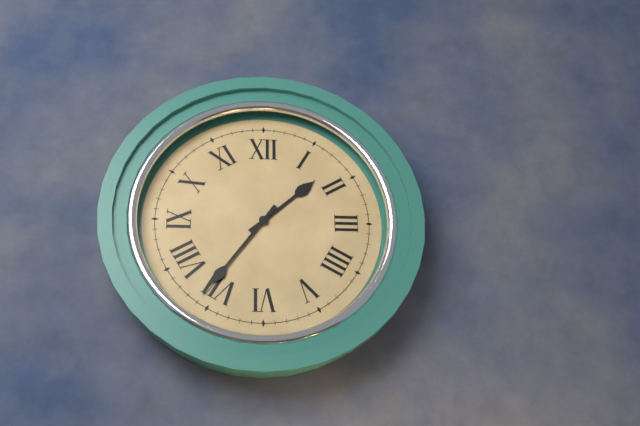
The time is **1:36**
